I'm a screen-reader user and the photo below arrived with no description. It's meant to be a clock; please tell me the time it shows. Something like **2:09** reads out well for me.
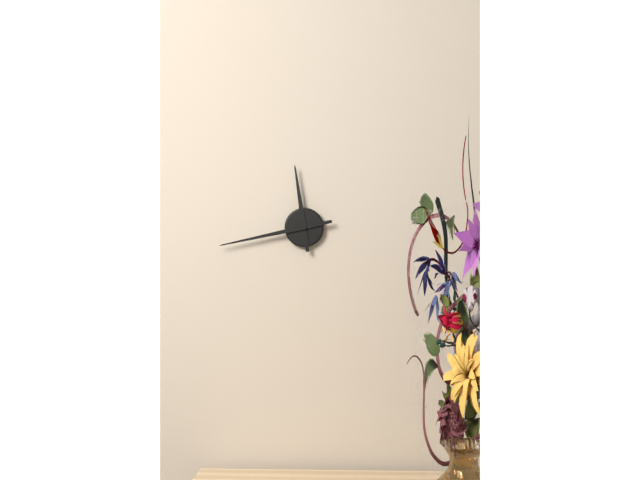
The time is **11:43**
